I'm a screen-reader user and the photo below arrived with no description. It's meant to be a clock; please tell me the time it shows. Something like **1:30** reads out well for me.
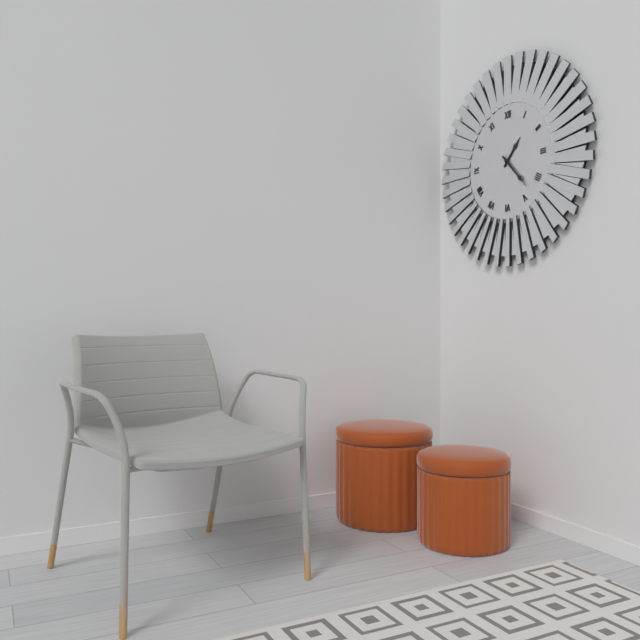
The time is **1:23**
